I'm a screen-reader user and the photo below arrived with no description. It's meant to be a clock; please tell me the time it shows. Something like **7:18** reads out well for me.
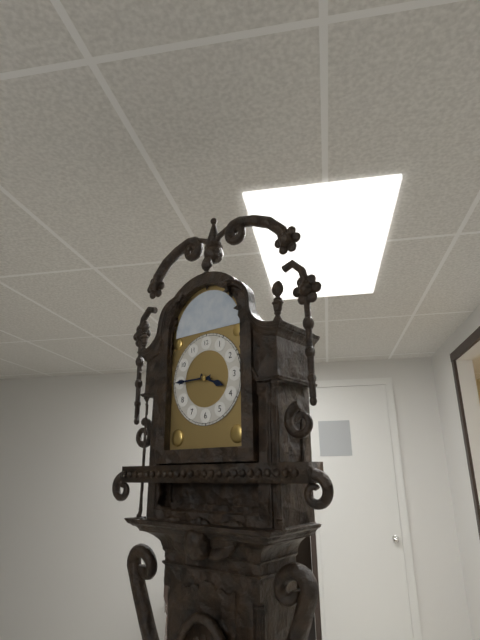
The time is **3:45**
